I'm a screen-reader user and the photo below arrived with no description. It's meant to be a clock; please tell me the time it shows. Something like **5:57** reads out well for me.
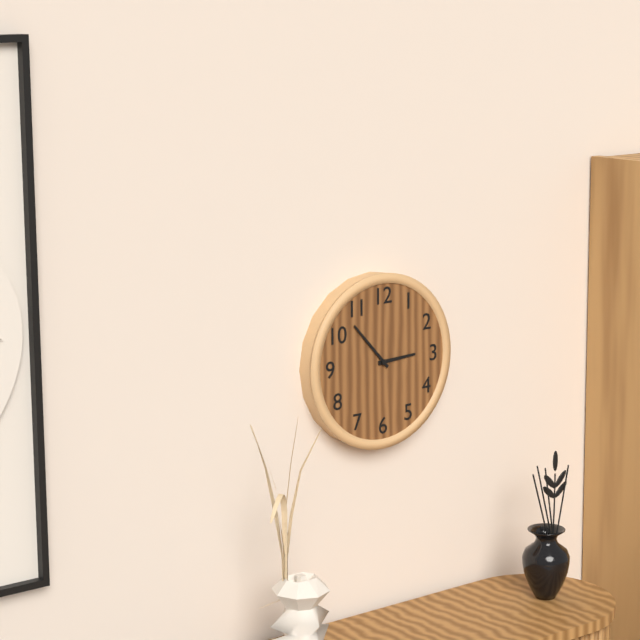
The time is **2:53**
